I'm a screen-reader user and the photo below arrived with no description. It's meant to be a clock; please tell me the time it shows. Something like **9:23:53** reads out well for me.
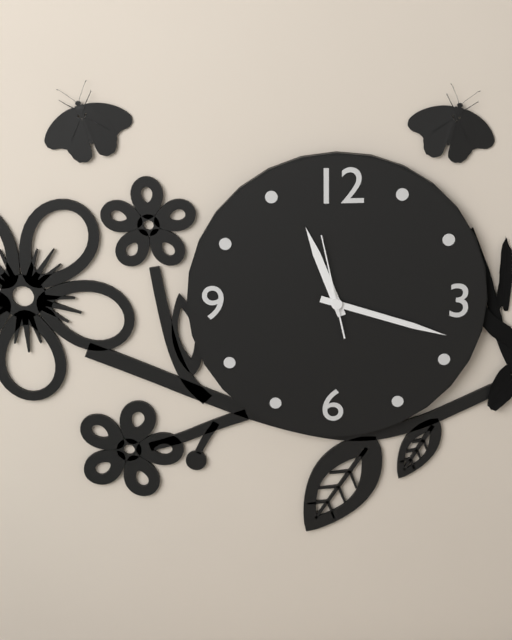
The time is **11:18:58**
